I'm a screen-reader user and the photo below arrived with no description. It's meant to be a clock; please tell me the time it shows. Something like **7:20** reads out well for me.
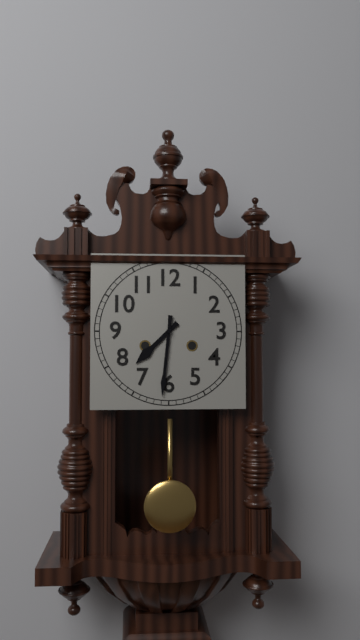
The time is **7:31**
